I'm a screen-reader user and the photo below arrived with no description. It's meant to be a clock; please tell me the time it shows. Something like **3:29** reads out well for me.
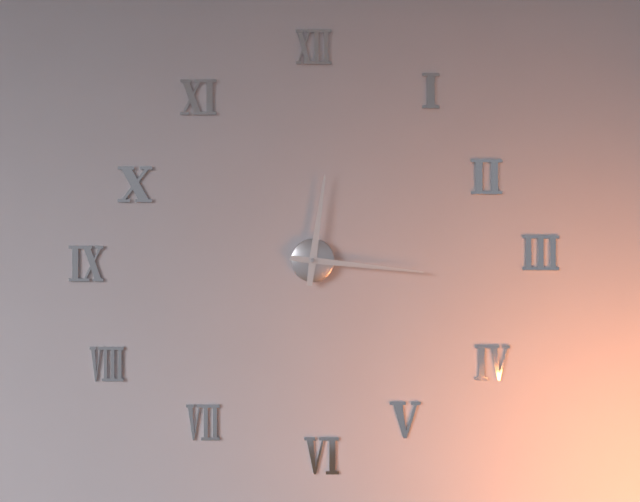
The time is **12:16**
